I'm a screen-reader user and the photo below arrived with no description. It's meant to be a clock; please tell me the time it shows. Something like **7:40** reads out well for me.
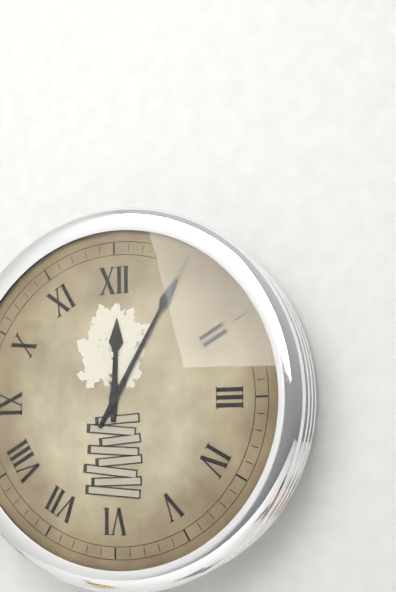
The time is **12:05**
